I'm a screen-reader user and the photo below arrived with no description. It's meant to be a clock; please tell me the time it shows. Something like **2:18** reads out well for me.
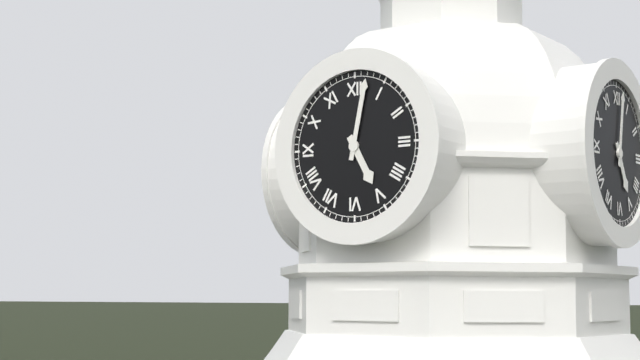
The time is **5:02**
